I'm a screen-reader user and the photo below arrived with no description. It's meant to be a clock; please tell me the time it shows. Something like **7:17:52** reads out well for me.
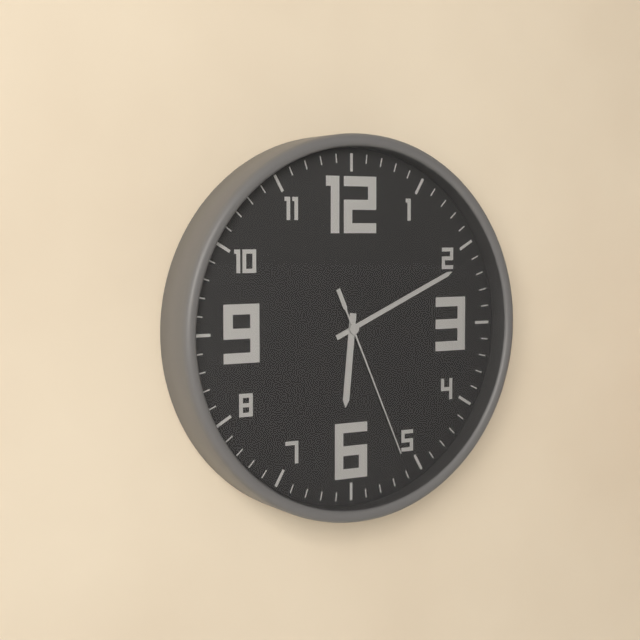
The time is **6:11:26**
